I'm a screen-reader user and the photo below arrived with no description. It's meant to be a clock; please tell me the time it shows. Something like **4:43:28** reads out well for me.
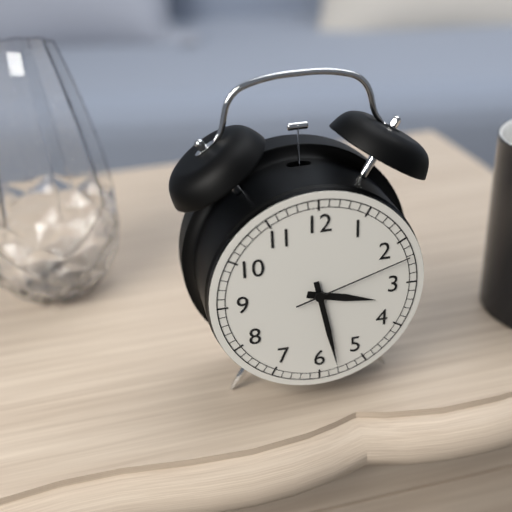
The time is **3:28:12**
